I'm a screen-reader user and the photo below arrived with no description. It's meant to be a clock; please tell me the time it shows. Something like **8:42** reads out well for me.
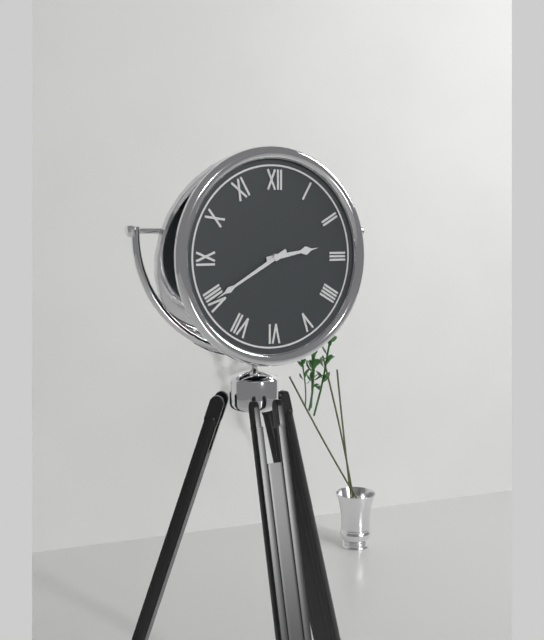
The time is **2:40**
